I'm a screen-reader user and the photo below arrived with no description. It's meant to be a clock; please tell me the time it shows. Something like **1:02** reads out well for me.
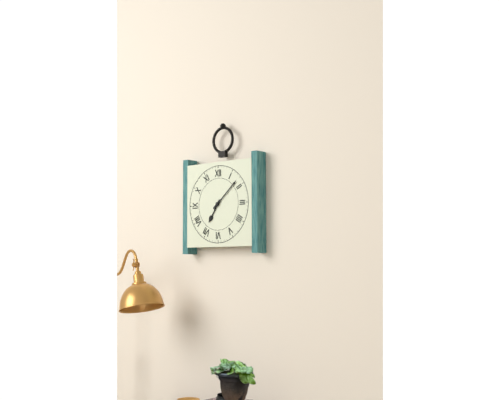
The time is **7:08**
